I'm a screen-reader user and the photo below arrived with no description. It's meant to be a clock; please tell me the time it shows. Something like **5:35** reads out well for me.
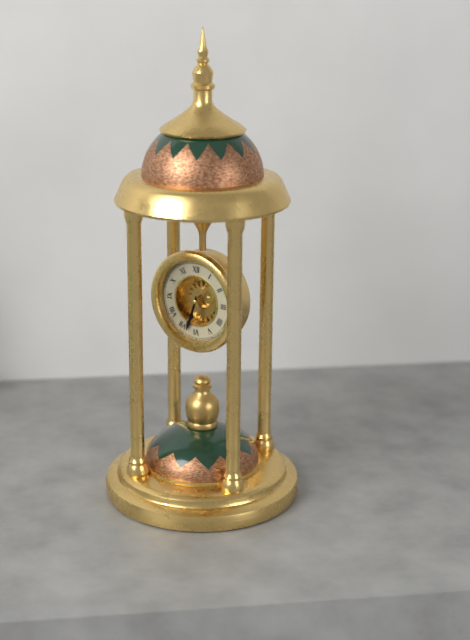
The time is **6:33**
